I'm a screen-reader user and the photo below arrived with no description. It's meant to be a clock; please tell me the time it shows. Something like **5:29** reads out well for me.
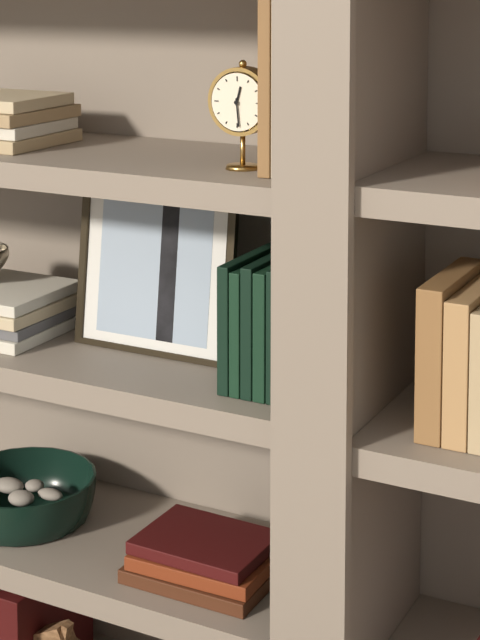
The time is **12:29**
